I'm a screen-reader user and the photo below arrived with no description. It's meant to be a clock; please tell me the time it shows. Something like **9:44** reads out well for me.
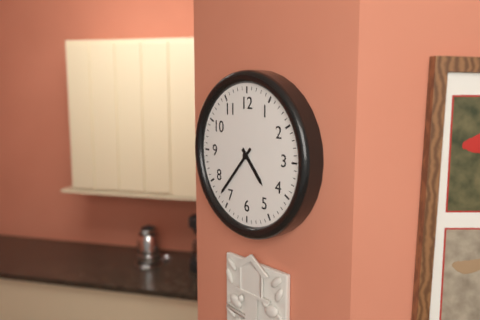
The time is **4:37**
